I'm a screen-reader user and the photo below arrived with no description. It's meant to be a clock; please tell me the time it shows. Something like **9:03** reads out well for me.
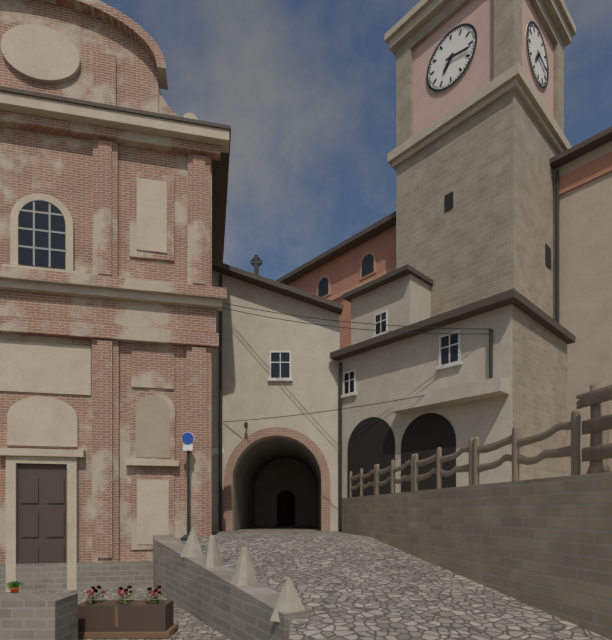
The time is **7:17**
